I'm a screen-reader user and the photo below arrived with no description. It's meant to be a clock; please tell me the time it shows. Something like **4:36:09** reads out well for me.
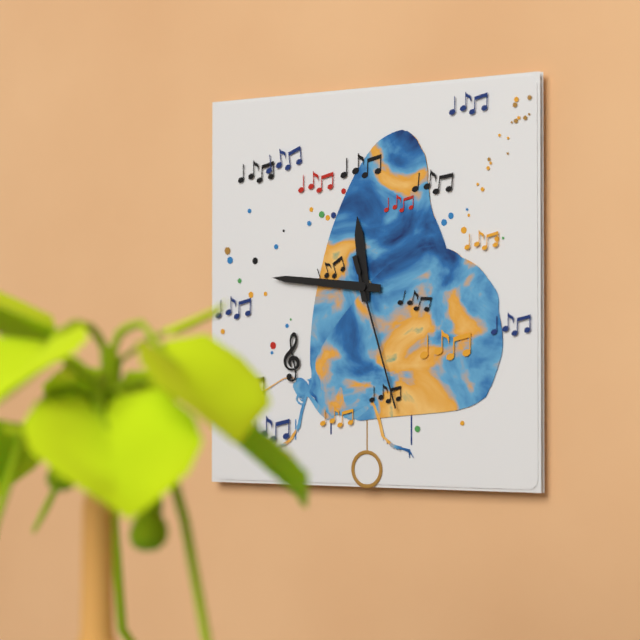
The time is **11:46:27**
